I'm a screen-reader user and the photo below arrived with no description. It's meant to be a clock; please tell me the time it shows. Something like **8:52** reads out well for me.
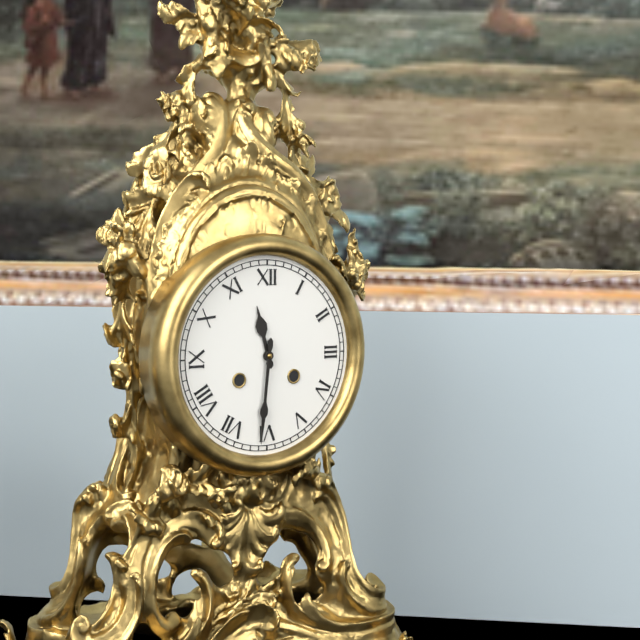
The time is **11:31**
